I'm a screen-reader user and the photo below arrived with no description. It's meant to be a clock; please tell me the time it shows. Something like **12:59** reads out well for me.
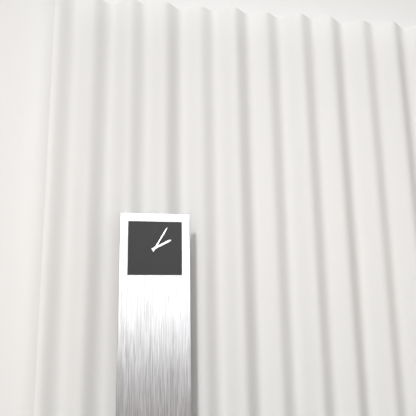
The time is **2:05**
